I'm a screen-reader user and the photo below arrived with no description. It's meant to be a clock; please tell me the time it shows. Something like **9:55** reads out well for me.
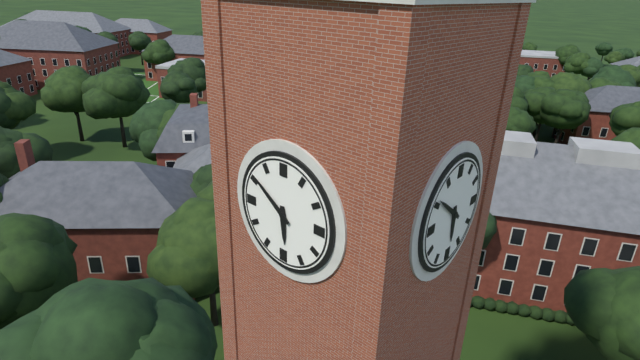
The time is **5:51**
